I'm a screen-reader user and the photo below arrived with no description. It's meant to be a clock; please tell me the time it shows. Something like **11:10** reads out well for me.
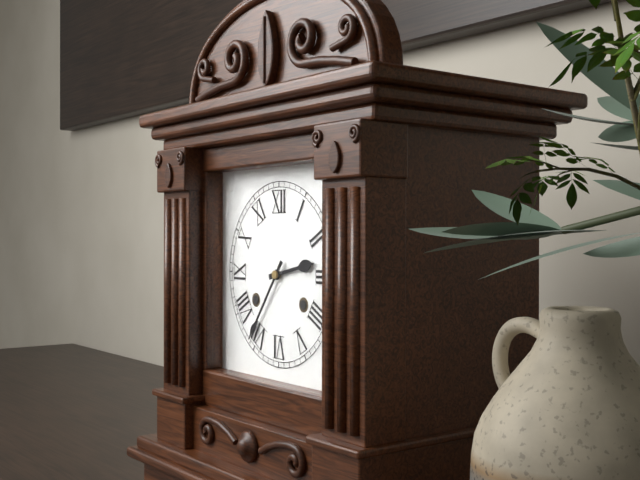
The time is **2:36**
